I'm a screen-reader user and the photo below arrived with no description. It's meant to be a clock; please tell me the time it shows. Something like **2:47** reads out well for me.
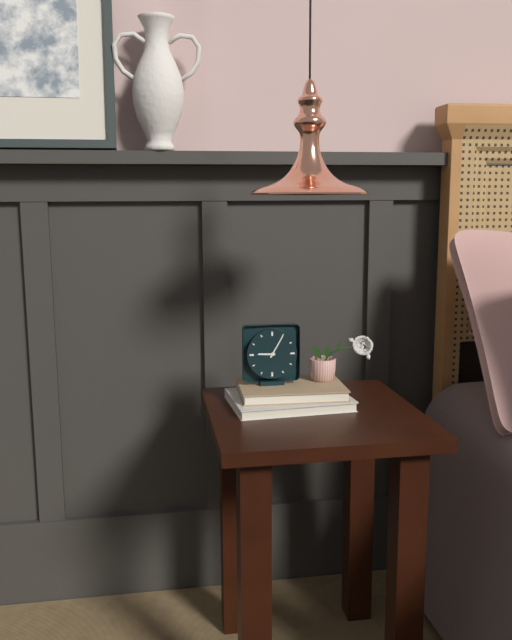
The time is **9:05**
